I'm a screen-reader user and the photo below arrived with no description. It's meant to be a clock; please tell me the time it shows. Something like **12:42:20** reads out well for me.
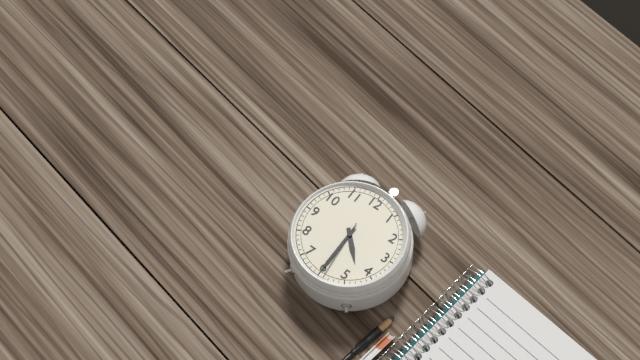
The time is **4:30:29**
